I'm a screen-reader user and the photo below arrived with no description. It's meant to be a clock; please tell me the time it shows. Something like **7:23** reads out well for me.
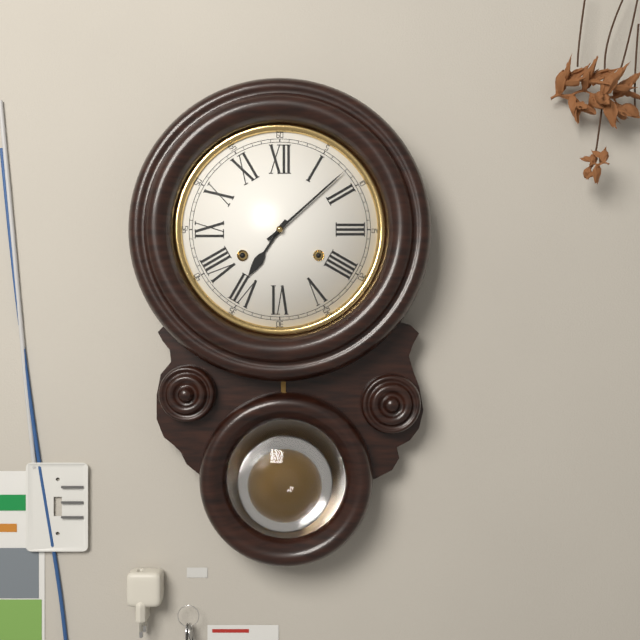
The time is **7:08**
